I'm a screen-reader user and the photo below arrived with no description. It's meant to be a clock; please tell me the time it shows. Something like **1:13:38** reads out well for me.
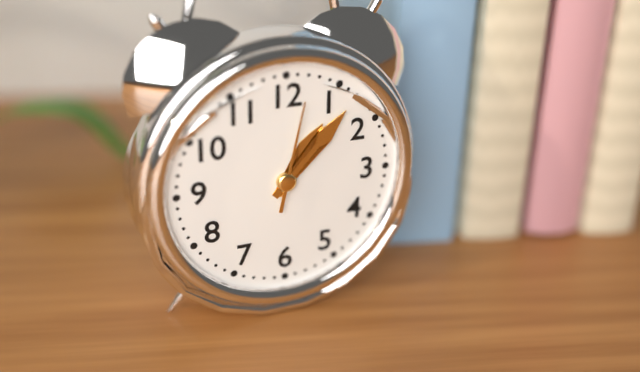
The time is **1:07:02**
